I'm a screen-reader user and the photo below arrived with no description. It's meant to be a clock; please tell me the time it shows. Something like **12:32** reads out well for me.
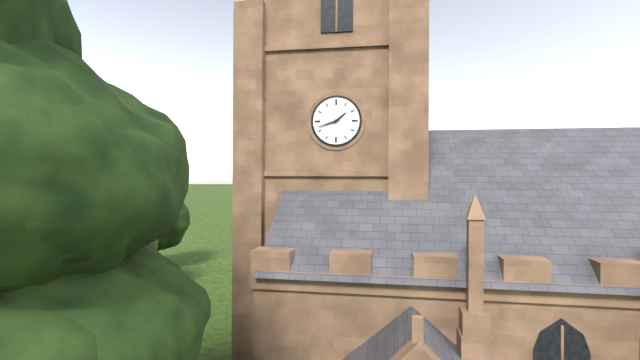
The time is **1:42**
